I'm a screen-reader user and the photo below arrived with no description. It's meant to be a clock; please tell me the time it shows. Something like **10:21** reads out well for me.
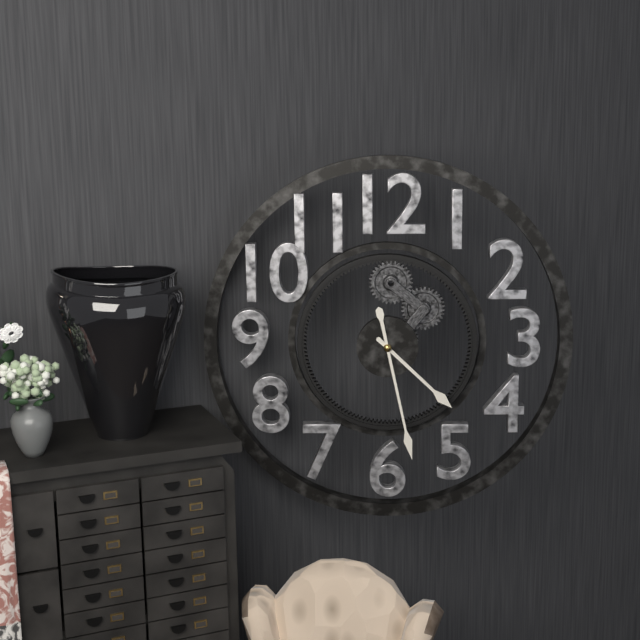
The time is **4:28**
